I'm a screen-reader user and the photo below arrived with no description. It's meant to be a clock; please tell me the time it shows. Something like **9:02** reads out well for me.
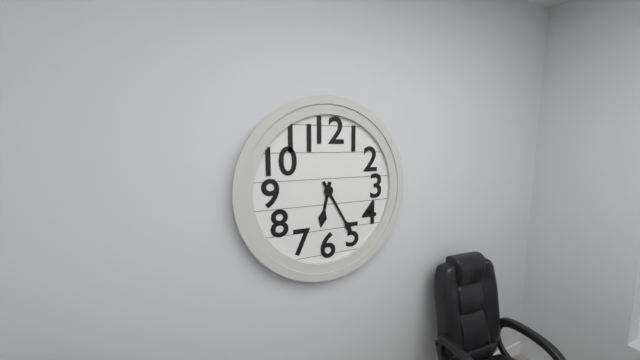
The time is **6:25**
